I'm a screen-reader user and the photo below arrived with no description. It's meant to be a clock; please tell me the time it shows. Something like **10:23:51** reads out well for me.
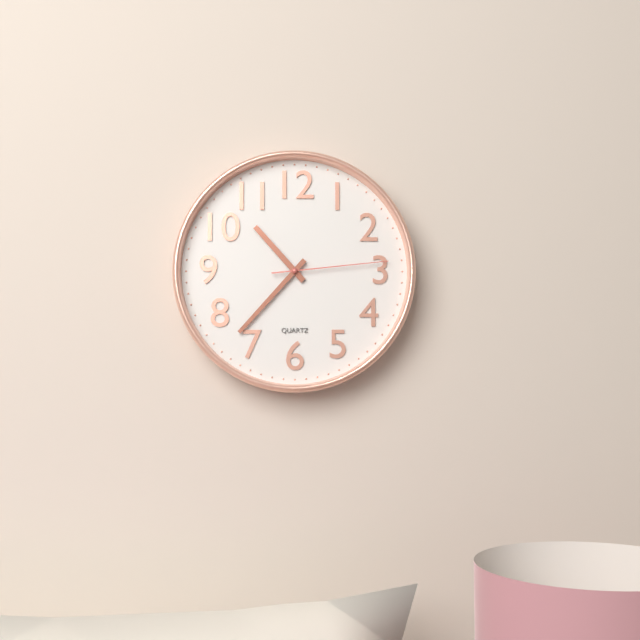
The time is **10:37:14**
